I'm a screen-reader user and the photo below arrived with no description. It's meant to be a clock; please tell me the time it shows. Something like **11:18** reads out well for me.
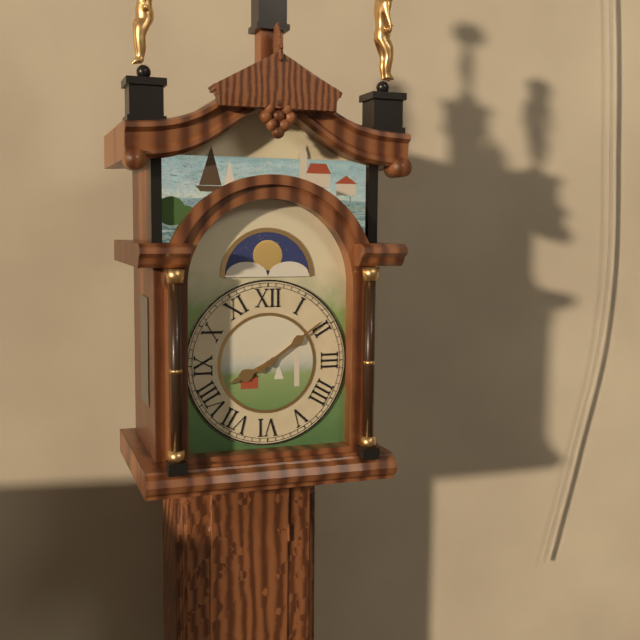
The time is **8:09**
